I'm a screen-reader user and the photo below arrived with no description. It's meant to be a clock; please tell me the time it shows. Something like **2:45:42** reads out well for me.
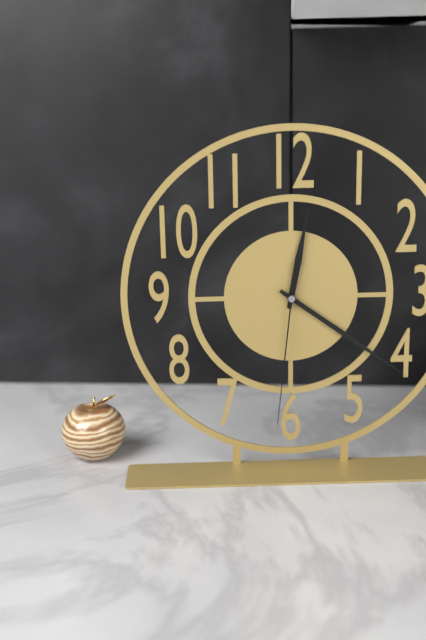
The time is **12:21:31**
